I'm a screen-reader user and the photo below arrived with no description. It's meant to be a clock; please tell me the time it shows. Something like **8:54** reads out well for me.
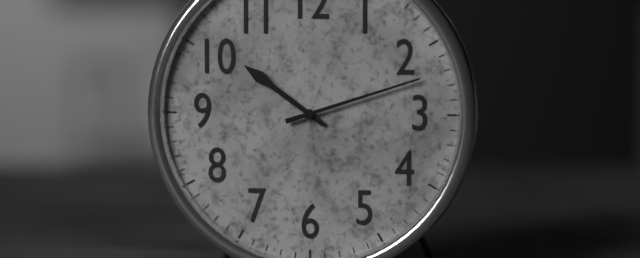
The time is **10:12**
